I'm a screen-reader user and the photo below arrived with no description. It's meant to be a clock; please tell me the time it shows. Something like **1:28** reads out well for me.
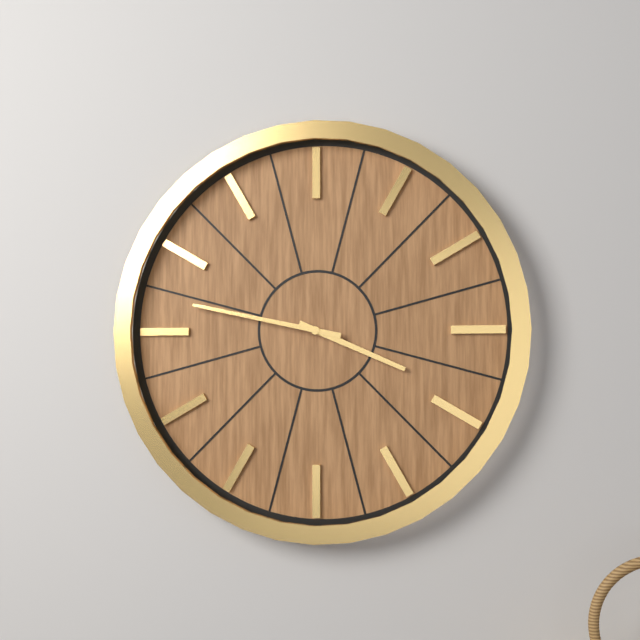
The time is **3:47**
